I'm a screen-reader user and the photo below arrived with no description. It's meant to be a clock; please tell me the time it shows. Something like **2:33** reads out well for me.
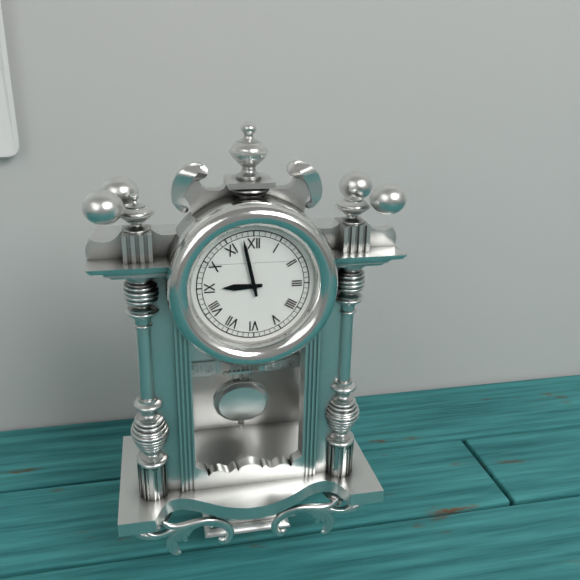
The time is **8:58**
